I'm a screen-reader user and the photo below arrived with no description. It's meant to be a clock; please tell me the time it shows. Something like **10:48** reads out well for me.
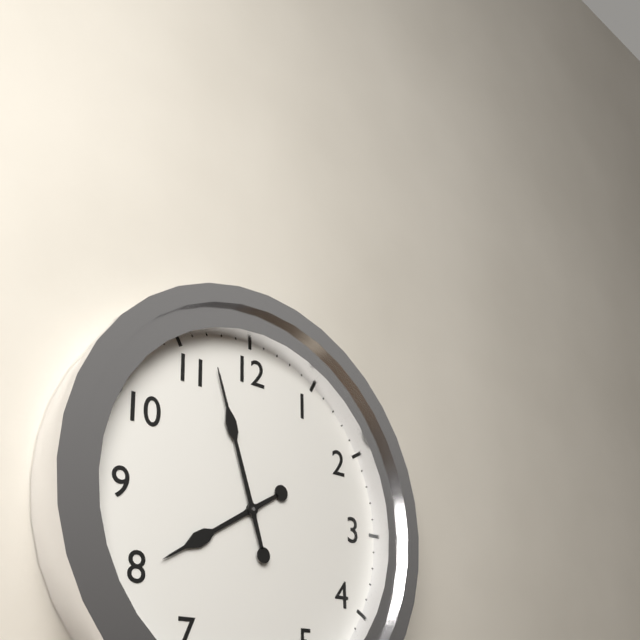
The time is **7:57**
